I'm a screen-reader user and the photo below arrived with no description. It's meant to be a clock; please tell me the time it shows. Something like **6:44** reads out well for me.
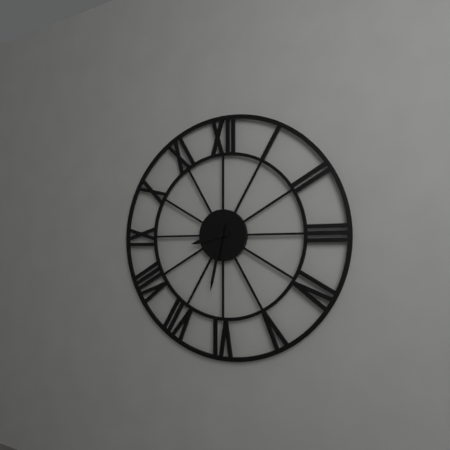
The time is **8:32**
